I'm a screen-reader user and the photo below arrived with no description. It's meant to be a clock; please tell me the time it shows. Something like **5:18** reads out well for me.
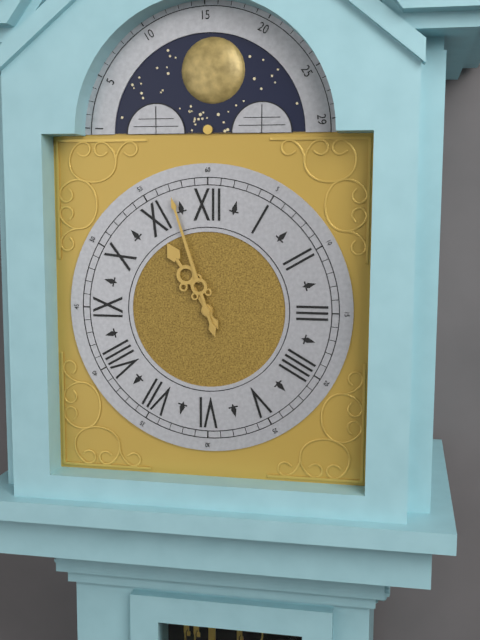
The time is **10:57**
